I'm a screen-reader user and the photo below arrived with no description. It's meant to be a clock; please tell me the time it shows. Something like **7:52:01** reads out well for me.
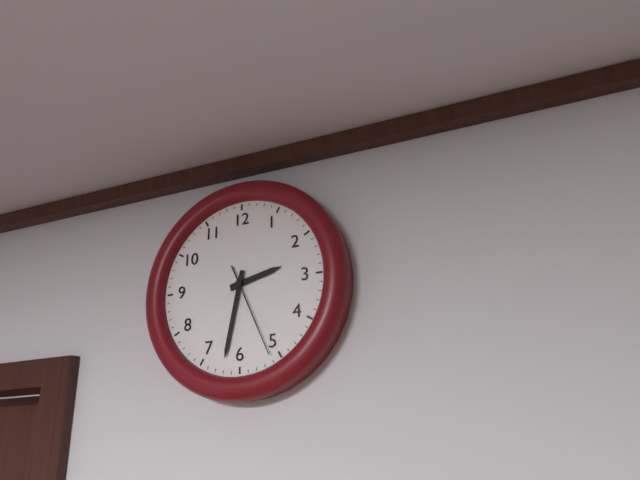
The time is **2:32:26**
